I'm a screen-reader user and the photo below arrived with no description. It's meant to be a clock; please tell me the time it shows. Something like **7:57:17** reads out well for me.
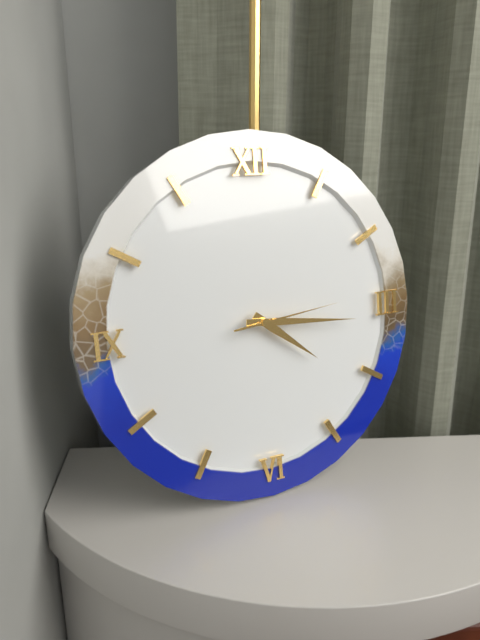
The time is **4:16:14**
